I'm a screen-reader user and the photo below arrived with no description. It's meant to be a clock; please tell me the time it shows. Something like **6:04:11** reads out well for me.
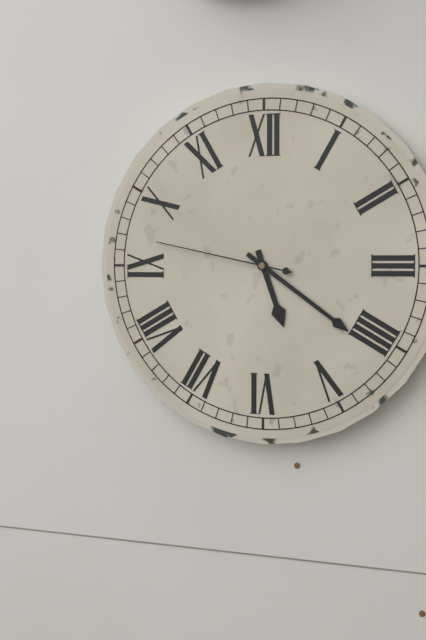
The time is **5:21:47**
